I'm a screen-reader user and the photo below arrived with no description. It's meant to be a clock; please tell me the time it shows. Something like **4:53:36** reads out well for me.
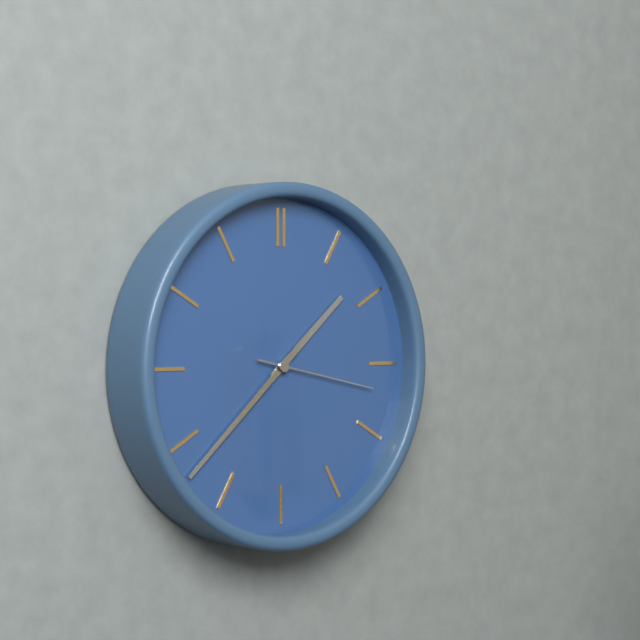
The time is **1:38:17**
